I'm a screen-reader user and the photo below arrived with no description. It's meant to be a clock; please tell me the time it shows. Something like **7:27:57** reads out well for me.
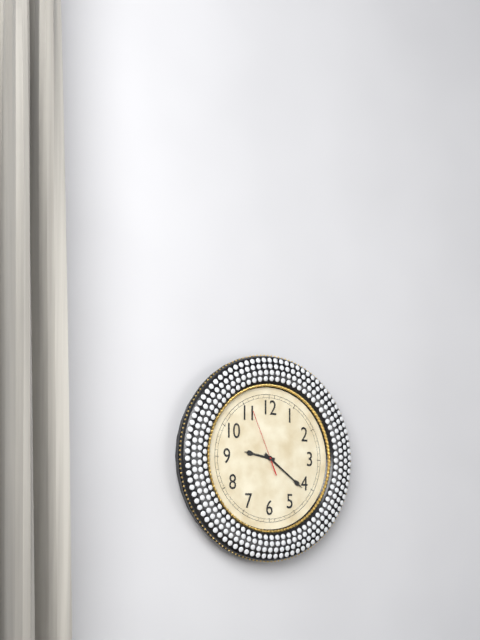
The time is **9:21:56**
